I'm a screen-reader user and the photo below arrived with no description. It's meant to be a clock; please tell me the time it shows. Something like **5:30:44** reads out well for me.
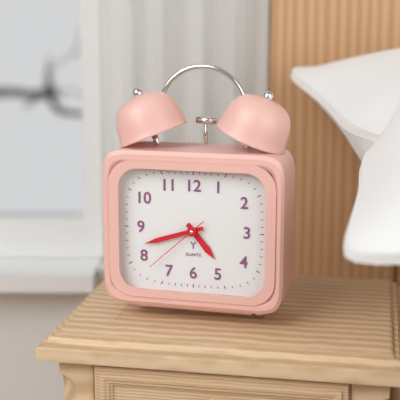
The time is **4:42:38**
